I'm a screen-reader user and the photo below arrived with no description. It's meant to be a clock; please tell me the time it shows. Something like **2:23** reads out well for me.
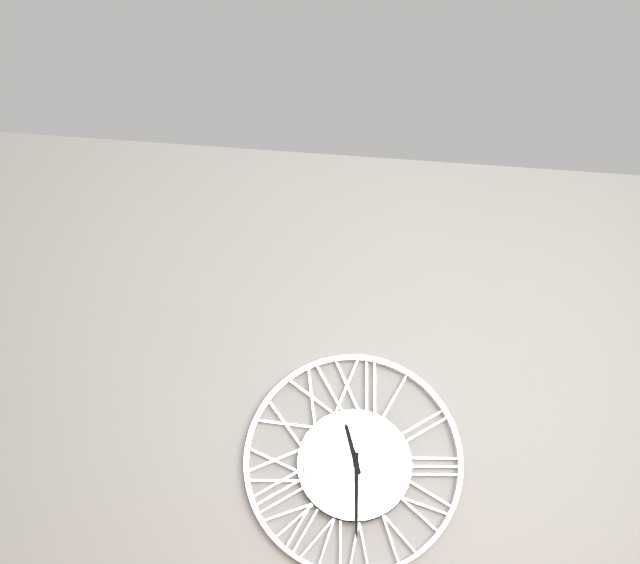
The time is **11:30**
